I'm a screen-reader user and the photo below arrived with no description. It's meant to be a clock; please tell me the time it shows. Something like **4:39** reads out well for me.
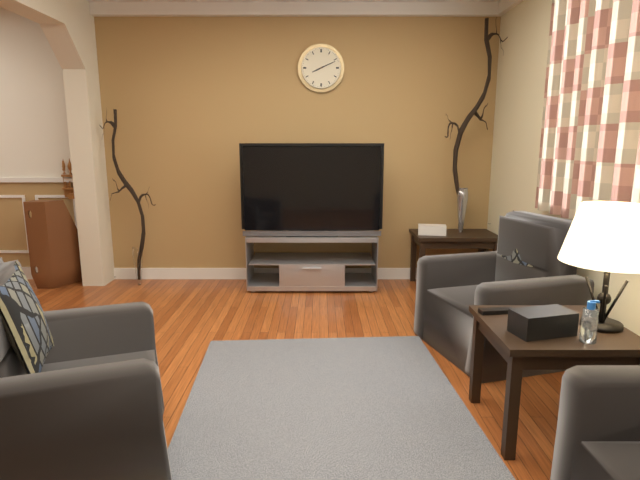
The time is **8:11**
